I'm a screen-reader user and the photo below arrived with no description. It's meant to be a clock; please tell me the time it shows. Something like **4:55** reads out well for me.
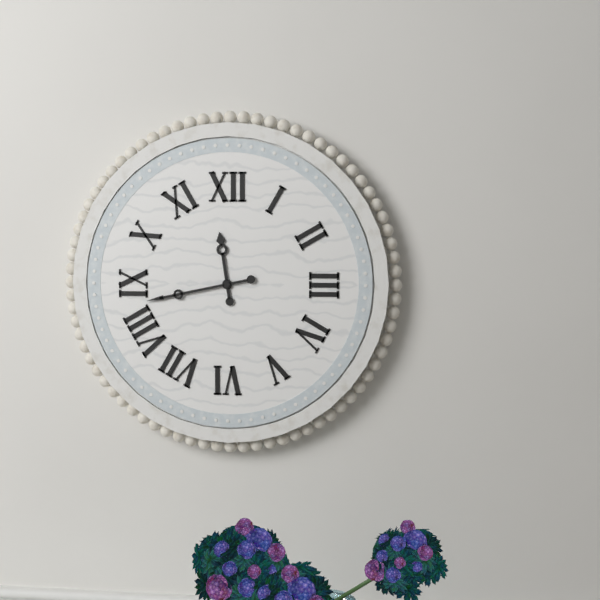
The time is **11:43**
